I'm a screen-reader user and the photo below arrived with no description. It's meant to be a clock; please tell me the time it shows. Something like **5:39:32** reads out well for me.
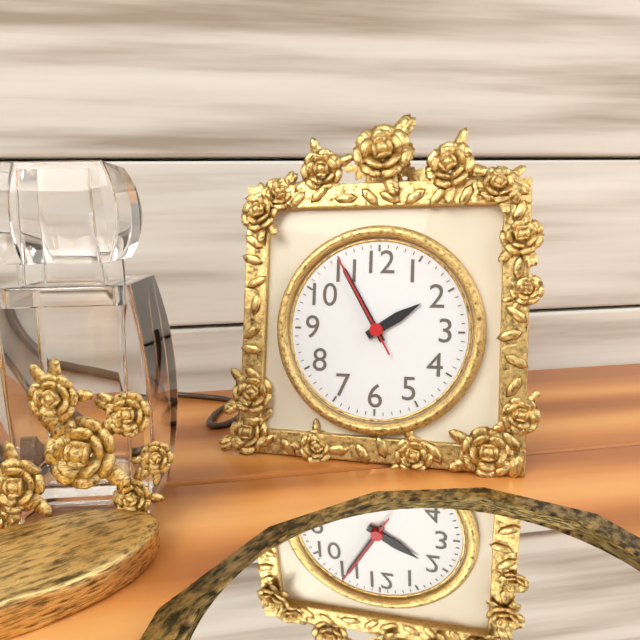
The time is **1:55:55**
